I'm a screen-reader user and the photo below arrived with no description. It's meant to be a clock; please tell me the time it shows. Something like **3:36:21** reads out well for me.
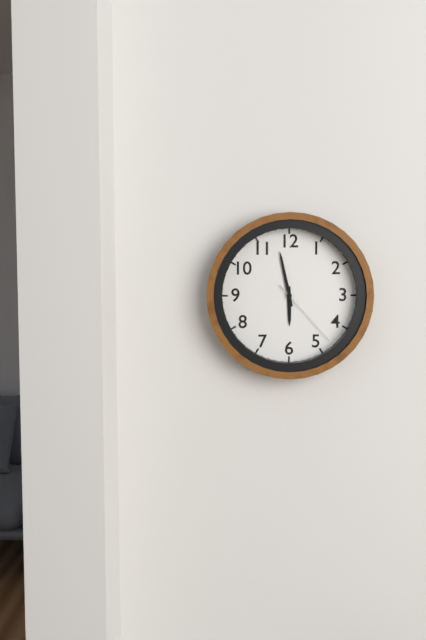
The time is **5:58:23**
